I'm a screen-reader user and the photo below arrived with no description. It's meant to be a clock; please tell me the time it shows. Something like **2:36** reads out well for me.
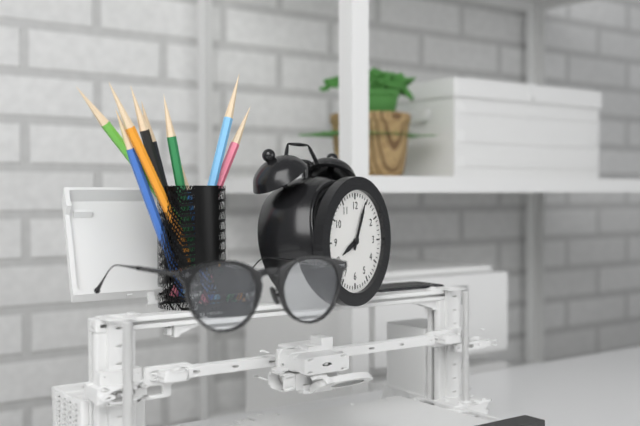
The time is **8:04**
